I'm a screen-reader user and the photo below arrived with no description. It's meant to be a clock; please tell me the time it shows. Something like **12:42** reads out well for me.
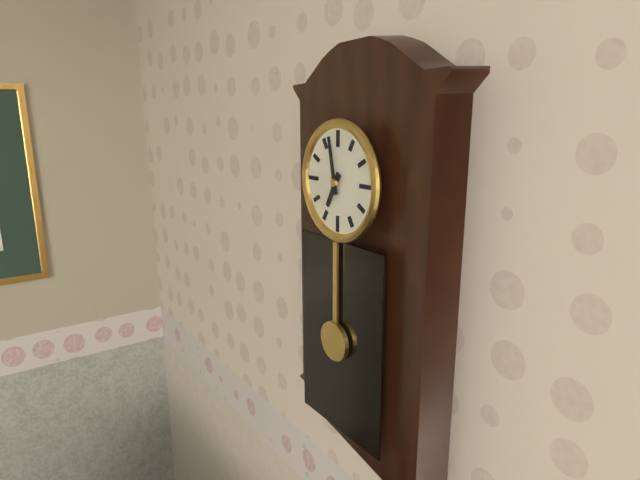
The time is **6:58**
